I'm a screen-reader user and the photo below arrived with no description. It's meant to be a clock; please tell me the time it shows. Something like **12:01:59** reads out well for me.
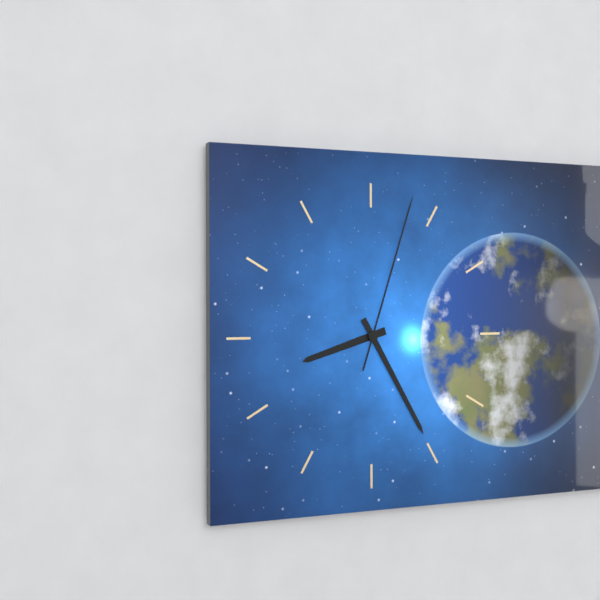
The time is **8:25:03**
